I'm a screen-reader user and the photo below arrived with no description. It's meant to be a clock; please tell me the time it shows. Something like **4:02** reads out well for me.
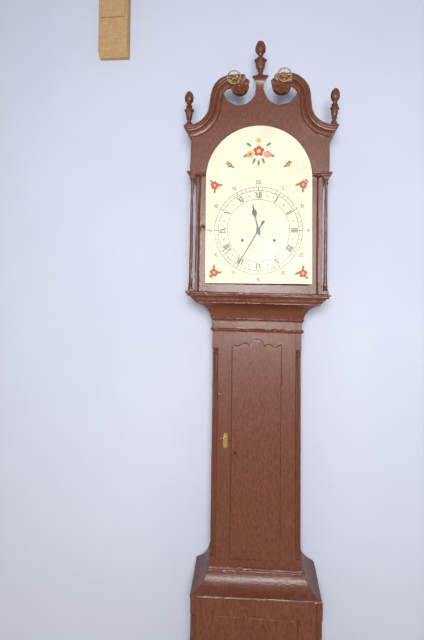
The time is **11:35**
